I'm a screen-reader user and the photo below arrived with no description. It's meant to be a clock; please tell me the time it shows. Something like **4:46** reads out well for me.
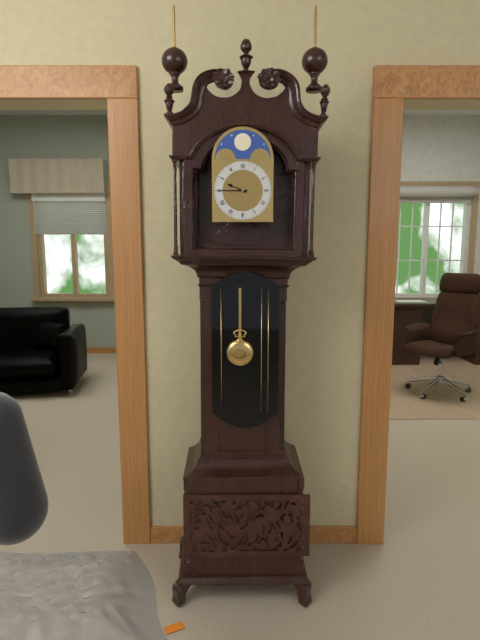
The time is **9:45**
